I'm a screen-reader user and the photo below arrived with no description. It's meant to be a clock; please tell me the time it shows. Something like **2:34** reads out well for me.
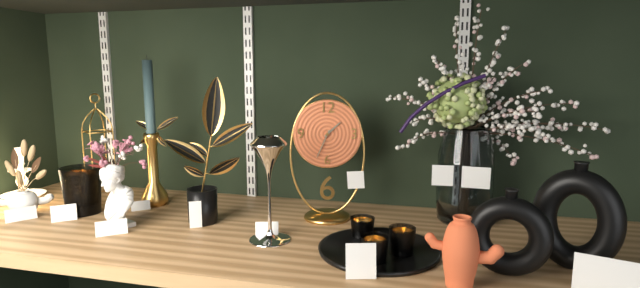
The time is **1:34**
